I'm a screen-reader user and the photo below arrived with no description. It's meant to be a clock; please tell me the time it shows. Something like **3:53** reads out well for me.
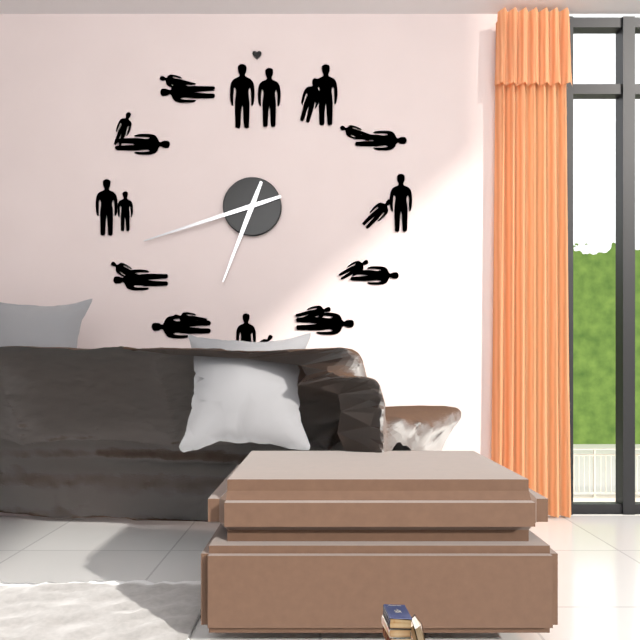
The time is **6:42**
